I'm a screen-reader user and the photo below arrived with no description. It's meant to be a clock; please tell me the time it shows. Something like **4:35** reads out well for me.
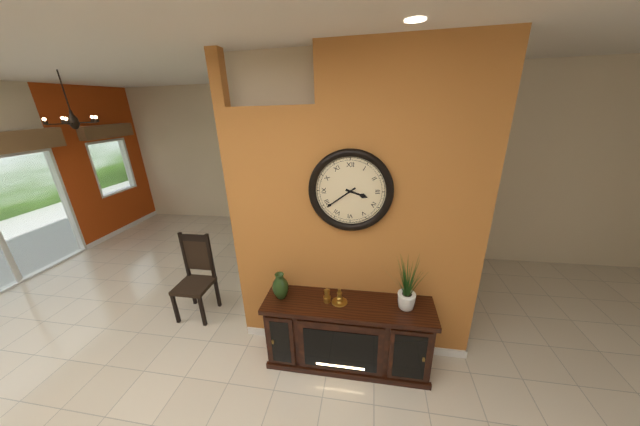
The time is **3:39**
